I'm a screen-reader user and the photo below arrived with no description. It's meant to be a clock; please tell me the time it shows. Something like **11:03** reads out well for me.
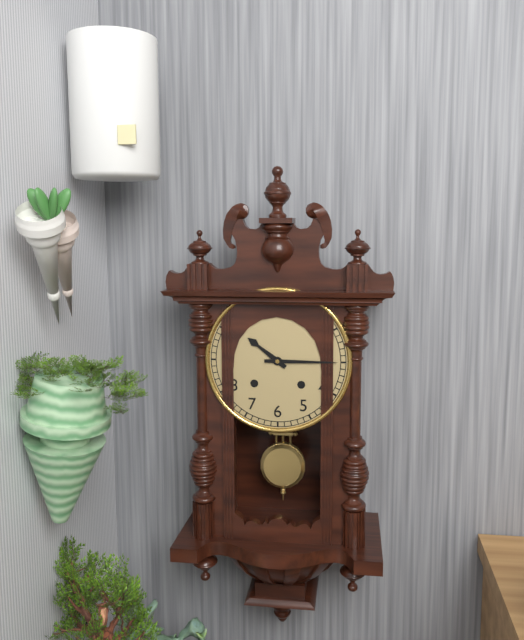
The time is **10:15**
